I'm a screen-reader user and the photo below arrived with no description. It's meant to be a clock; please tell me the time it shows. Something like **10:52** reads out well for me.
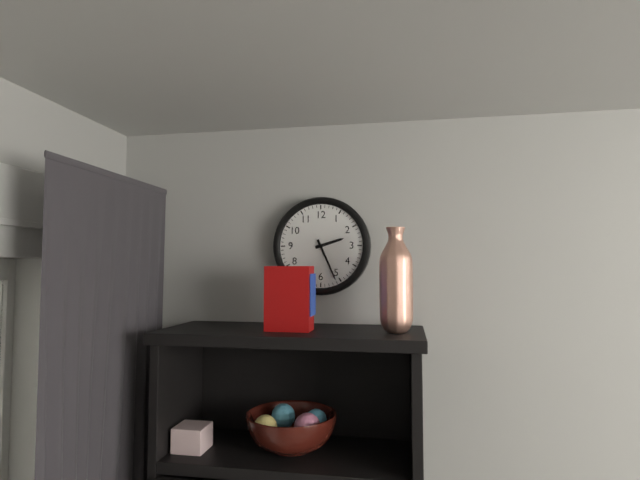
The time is **2:26**
